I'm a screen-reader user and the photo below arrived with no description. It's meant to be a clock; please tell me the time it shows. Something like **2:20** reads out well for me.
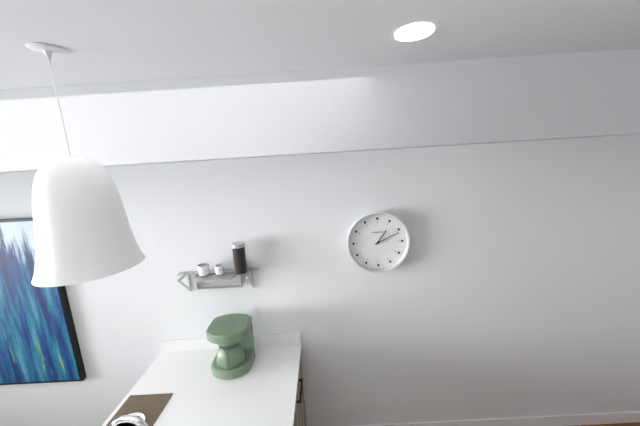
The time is **1:11**
